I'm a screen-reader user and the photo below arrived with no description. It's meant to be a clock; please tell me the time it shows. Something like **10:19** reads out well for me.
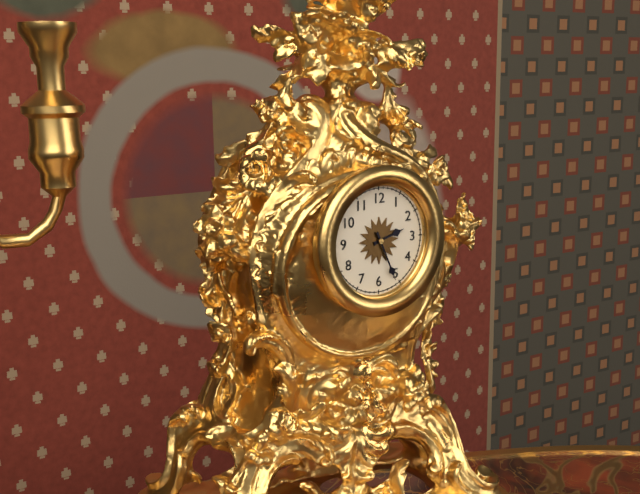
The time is **2:26**
